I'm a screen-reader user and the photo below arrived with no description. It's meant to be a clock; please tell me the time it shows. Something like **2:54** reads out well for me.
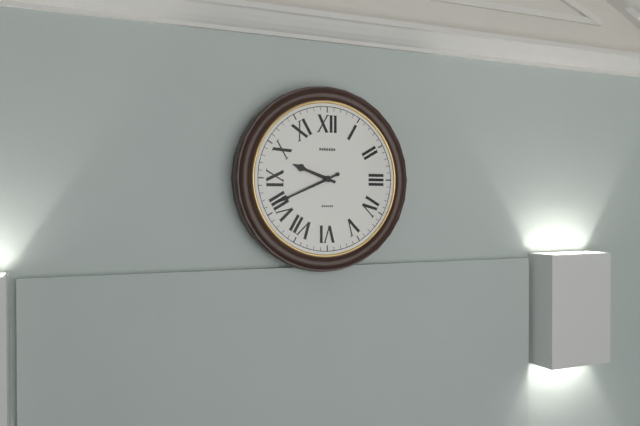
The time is **9:41**
